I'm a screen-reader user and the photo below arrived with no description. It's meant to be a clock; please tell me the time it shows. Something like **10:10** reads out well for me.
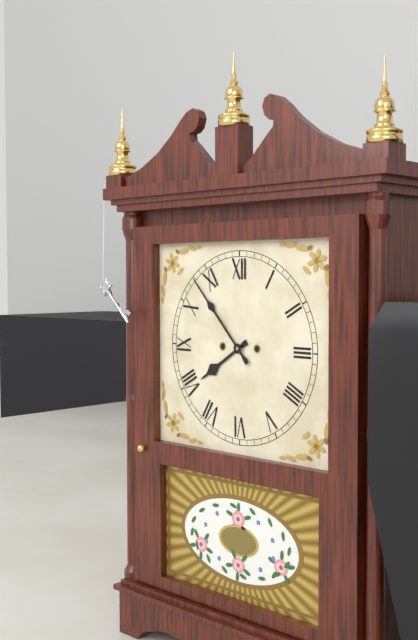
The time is **7:53**
